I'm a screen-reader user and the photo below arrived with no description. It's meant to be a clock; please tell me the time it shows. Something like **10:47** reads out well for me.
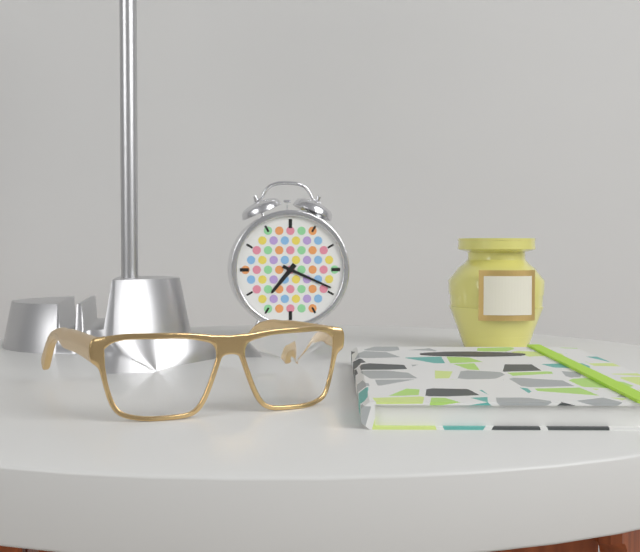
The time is **7:19**
